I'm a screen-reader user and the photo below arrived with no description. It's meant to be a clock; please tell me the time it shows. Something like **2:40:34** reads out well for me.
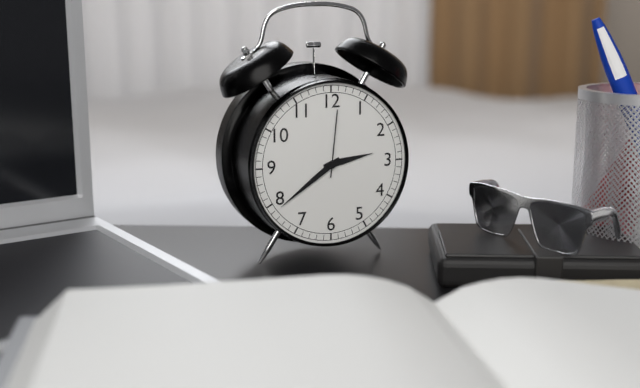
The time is **2:39:01**
